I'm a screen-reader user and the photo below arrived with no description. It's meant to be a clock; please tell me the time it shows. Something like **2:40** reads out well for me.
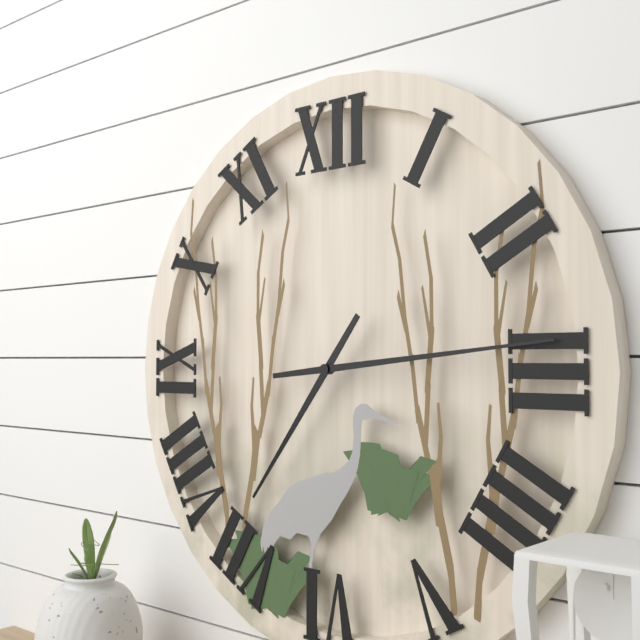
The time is **7:14**
